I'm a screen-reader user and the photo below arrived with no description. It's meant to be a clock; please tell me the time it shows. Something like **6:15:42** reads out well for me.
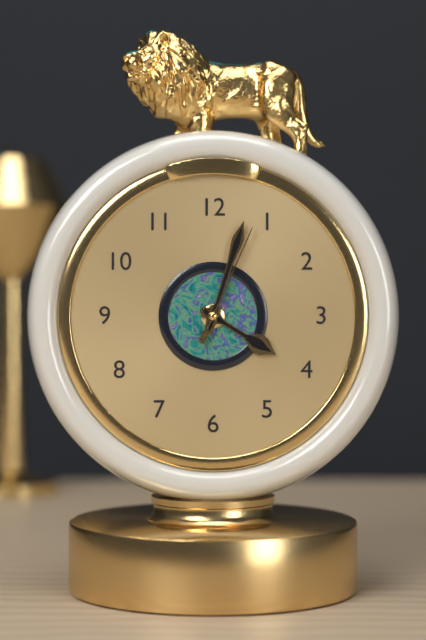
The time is **4:03:04**
